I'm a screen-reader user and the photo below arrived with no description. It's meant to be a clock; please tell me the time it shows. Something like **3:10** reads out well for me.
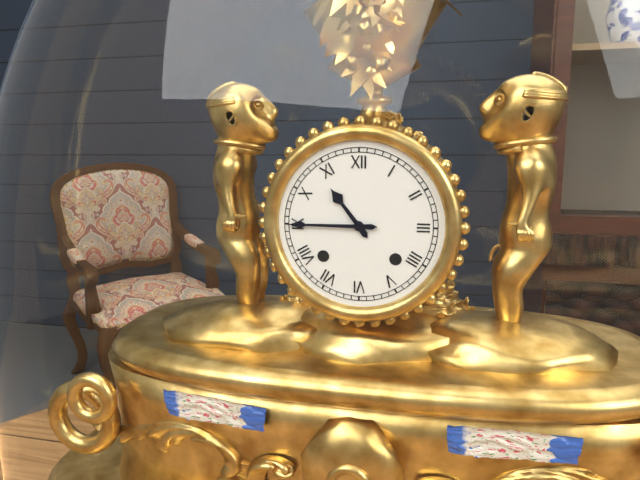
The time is **10:45**
